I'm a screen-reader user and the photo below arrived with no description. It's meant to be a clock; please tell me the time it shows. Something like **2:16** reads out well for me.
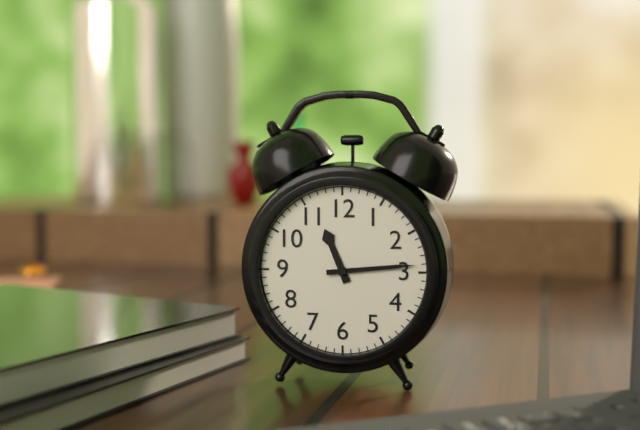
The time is **11:14**
